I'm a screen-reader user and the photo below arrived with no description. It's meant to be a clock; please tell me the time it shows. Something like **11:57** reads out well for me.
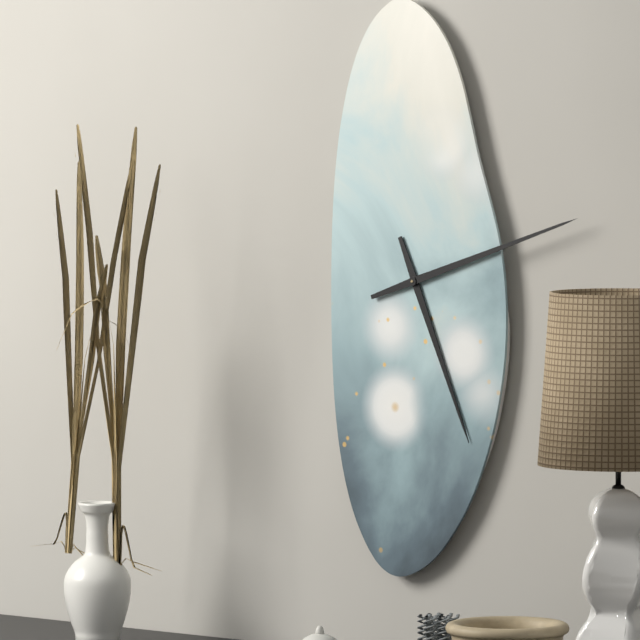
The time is **5:12**
